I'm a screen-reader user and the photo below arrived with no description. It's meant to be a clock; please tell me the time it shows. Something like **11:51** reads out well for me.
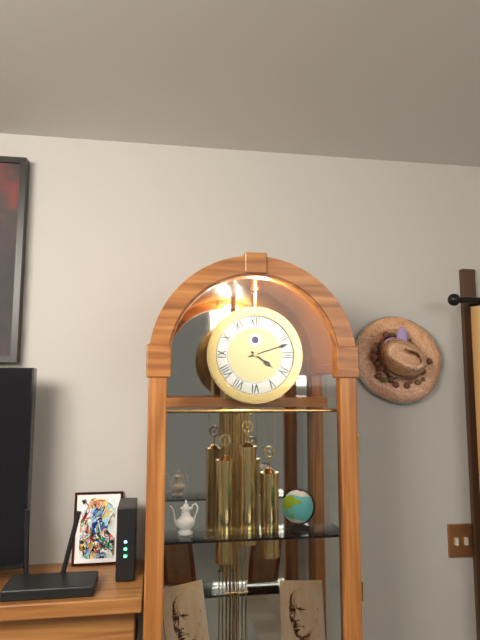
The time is **4:12**
